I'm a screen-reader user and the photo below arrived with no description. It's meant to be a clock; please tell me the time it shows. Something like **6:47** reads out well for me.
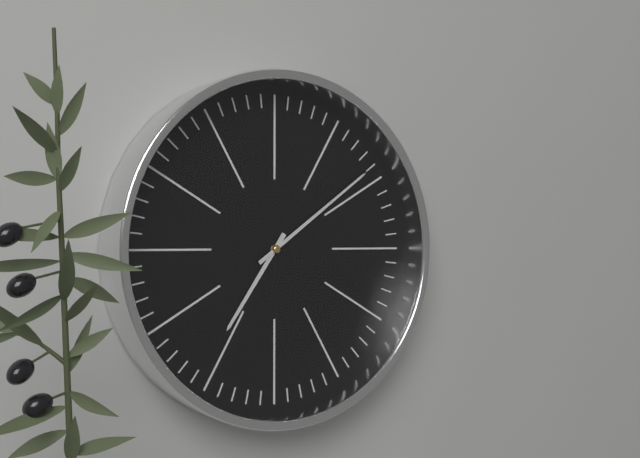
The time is **7:09**
